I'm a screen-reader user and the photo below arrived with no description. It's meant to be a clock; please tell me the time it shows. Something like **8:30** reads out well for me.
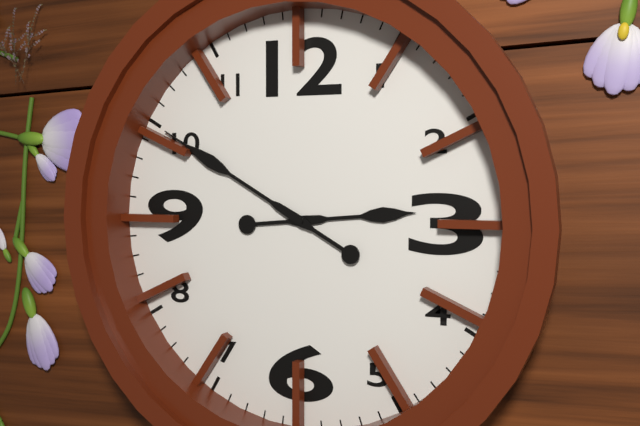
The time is **2:50**
